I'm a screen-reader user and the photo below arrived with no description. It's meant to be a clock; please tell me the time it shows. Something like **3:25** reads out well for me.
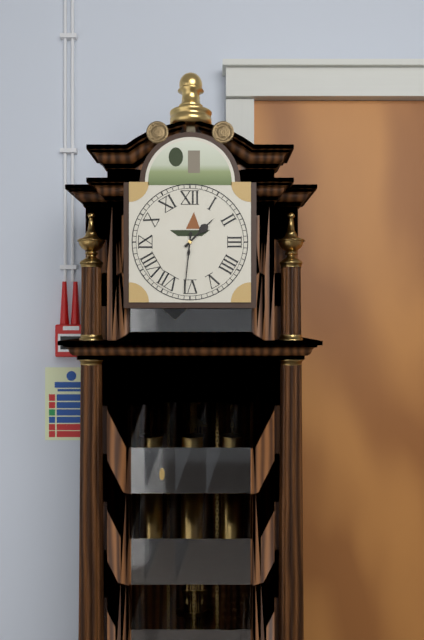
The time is **1:31**
